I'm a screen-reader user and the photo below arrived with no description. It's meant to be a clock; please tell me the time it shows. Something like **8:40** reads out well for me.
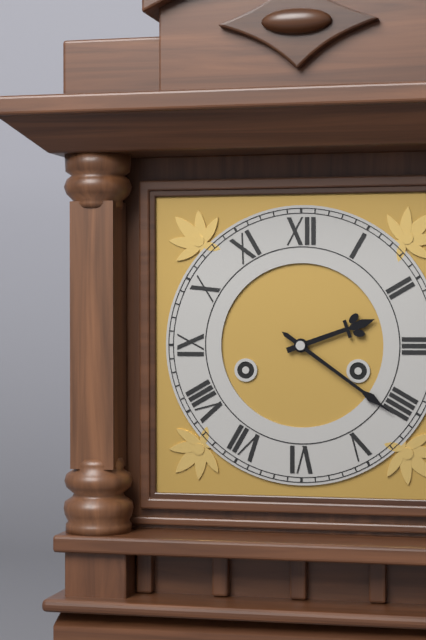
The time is **2:21**
